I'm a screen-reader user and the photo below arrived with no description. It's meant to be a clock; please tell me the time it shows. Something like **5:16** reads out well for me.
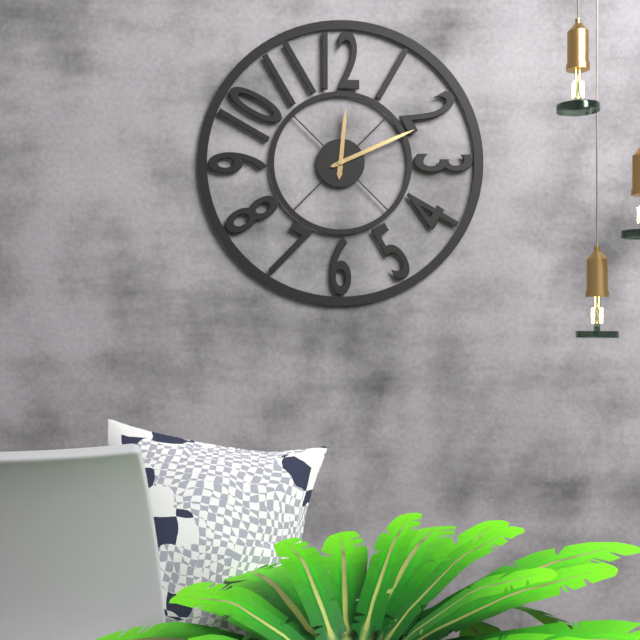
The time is **12:11**
